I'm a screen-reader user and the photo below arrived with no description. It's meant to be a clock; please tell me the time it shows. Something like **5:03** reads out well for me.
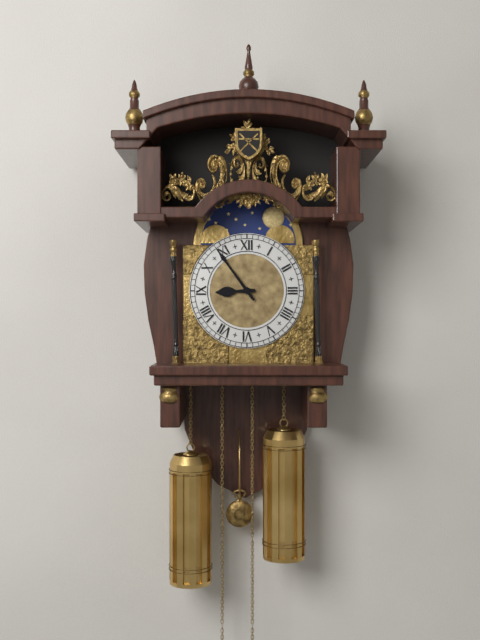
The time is **8:54**
